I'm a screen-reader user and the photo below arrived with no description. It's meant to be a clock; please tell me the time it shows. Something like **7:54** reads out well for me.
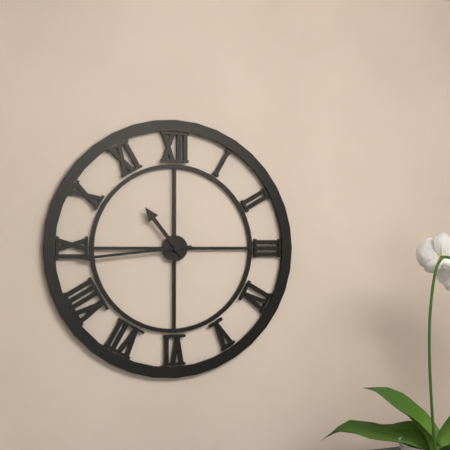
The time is **10:44**
